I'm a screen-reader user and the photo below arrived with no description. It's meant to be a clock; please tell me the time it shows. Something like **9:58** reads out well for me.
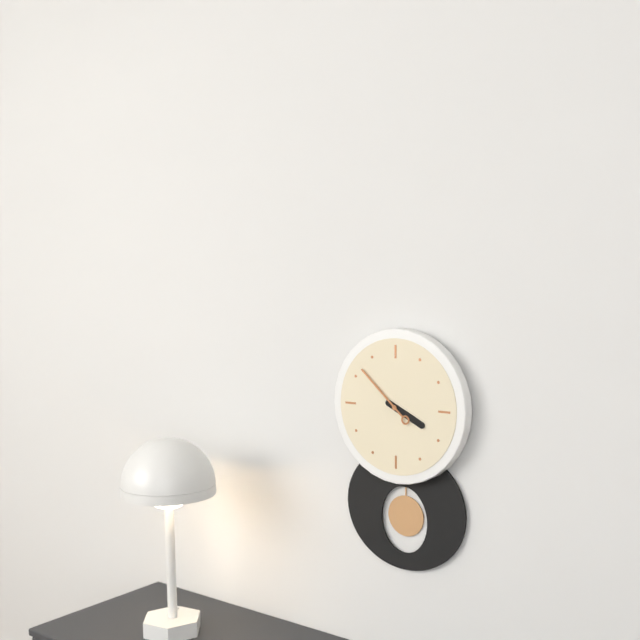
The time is **3:52**
